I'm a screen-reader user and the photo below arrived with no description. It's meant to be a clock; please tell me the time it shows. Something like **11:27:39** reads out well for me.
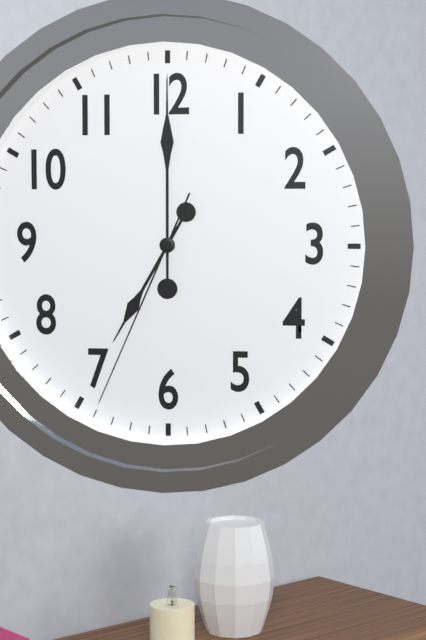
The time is **7:00:34**
